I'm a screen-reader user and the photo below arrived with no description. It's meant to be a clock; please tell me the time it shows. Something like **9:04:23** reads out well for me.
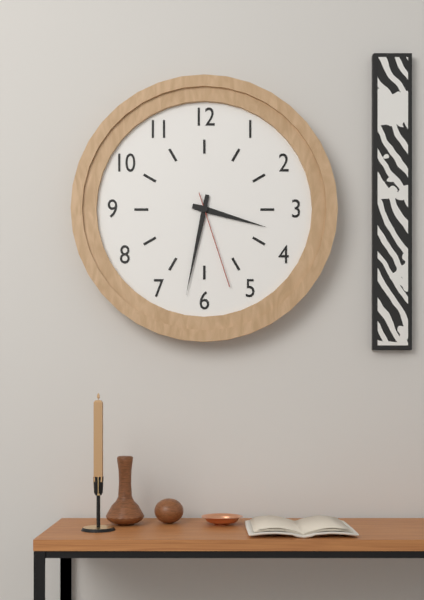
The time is **3:32:27**
